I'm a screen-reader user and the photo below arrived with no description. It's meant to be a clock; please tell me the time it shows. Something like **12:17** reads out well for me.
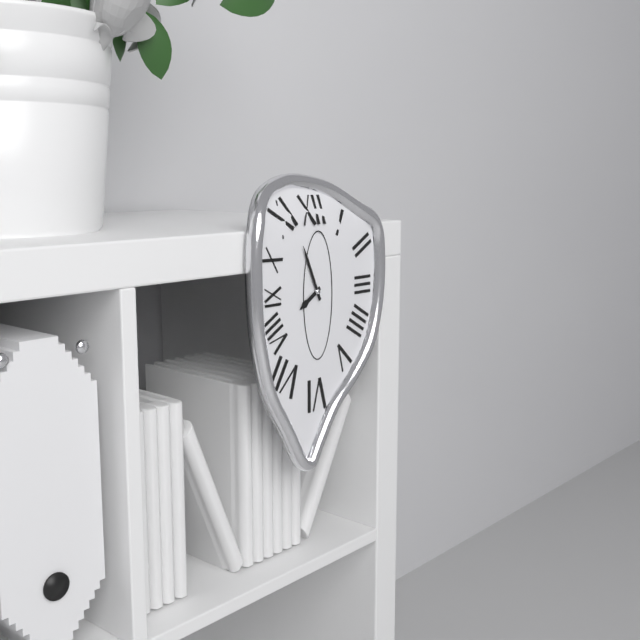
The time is **7:56**
